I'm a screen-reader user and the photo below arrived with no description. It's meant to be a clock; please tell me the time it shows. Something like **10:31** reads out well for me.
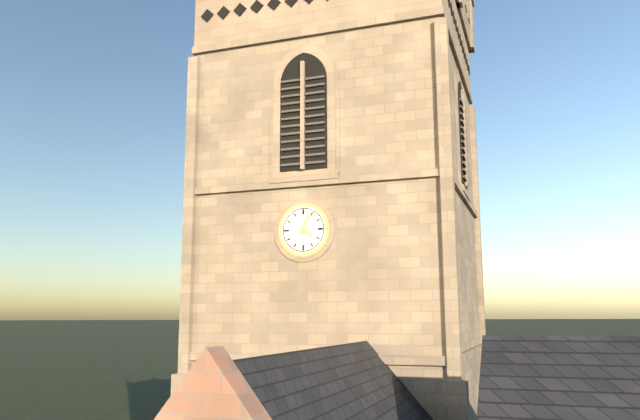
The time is **4:04**
